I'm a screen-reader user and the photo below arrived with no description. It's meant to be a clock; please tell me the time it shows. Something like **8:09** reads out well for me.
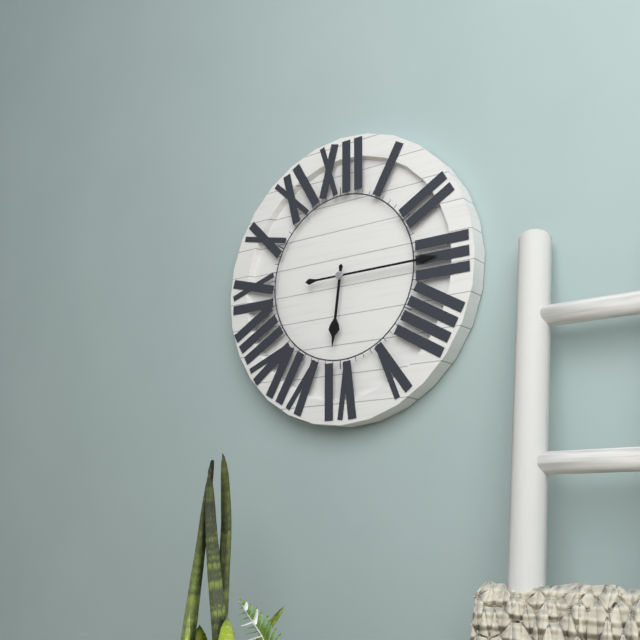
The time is **6:15**
